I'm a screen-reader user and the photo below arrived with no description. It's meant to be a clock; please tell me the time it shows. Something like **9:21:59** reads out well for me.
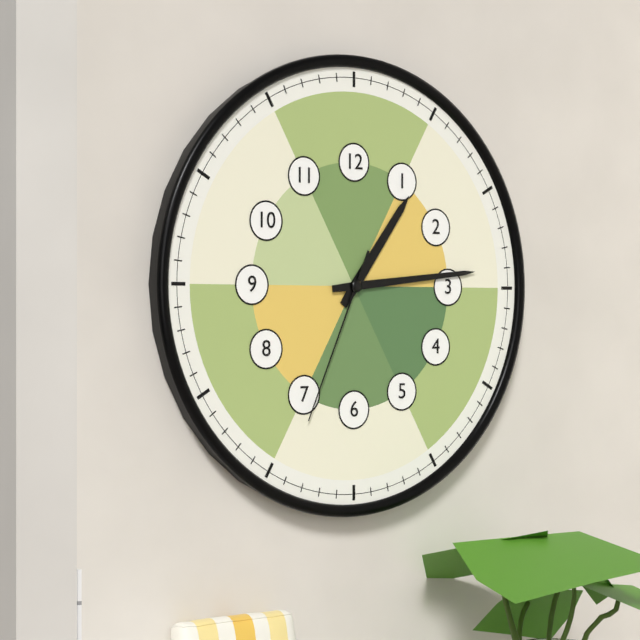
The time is **1:14:34**
